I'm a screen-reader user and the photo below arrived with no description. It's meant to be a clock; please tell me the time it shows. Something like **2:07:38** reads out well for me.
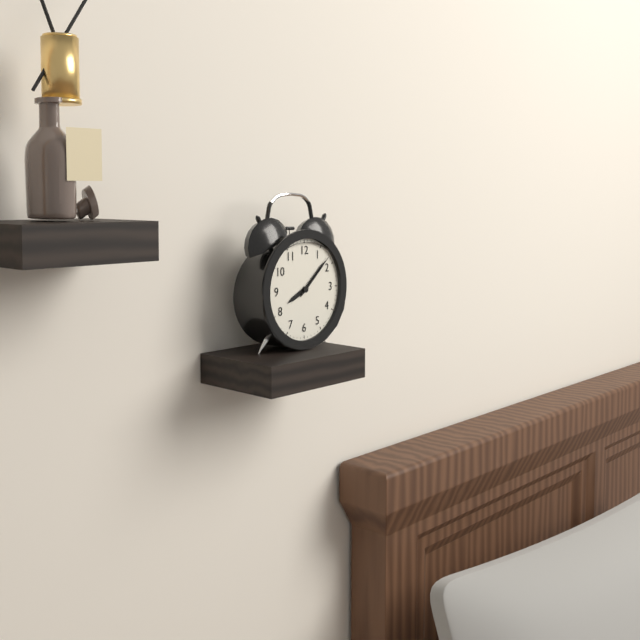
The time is **8:08:08**
